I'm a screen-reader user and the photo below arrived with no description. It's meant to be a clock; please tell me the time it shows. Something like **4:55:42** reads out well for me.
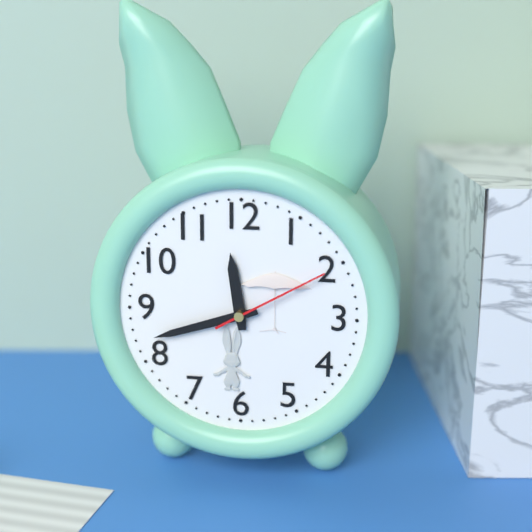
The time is **11:42:10**
